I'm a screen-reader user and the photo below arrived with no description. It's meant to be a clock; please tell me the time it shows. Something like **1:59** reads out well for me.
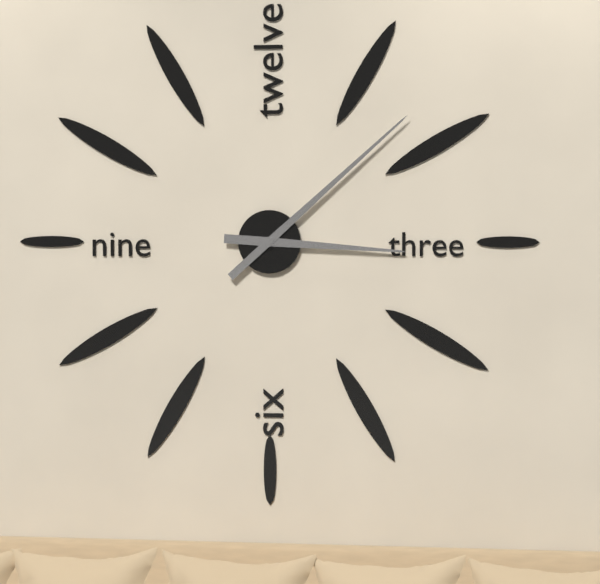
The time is **3:08**
